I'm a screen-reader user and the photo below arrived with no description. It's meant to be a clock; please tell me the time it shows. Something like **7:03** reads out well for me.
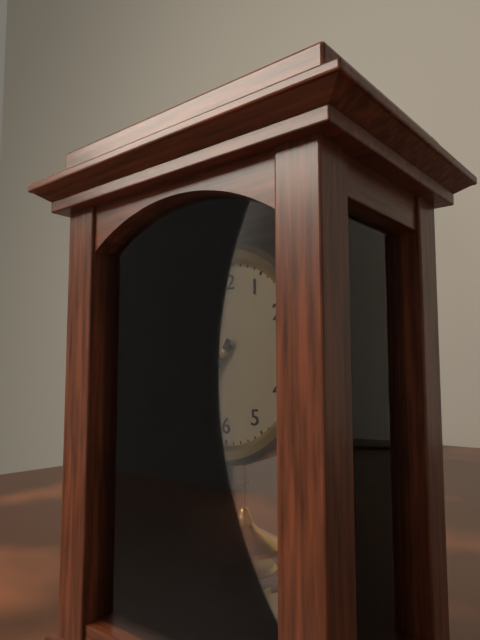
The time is **7:35**
